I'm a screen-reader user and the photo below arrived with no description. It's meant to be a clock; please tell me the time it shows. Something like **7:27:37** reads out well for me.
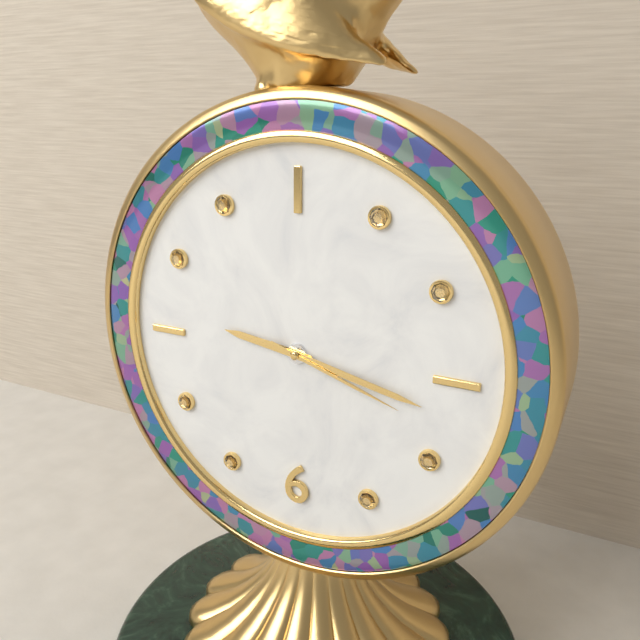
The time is **9:17:18**
